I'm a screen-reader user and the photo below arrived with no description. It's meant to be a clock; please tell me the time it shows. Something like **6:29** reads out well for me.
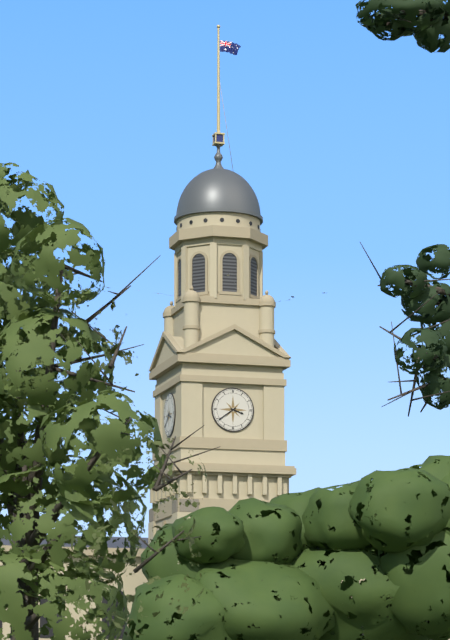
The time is **3:39**
